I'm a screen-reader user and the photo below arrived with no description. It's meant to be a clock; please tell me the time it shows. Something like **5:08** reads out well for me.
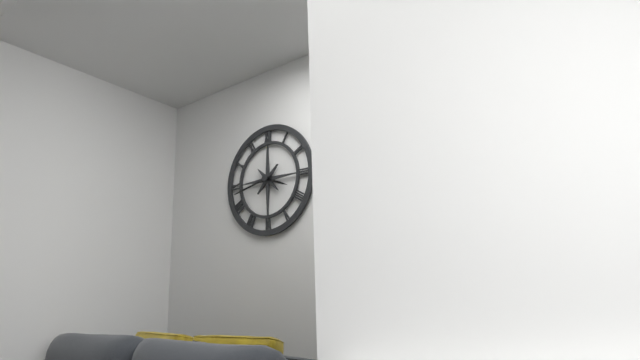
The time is **3:43**
